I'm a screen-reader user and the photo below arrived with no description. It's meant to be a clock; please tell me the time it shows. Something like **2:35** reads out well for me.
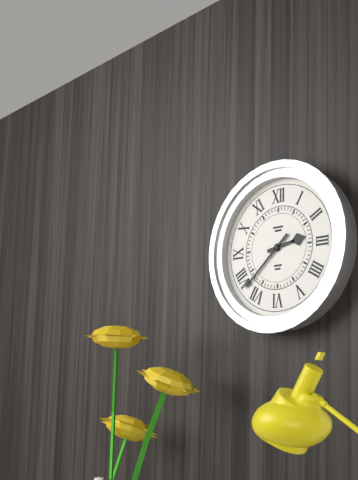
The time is **2:38**
